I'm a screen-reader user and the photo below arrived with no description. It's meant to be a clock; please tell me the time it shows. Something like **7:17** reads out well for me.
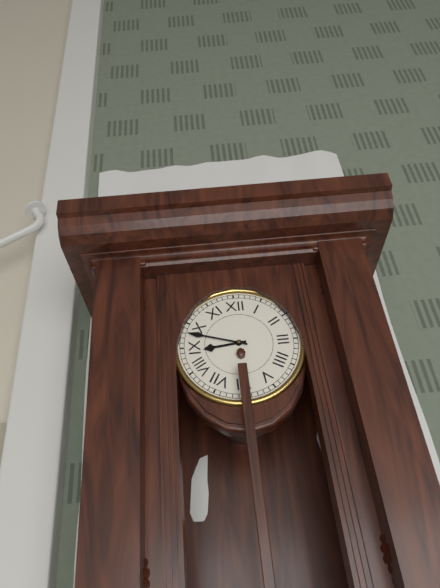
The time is **8:48**
